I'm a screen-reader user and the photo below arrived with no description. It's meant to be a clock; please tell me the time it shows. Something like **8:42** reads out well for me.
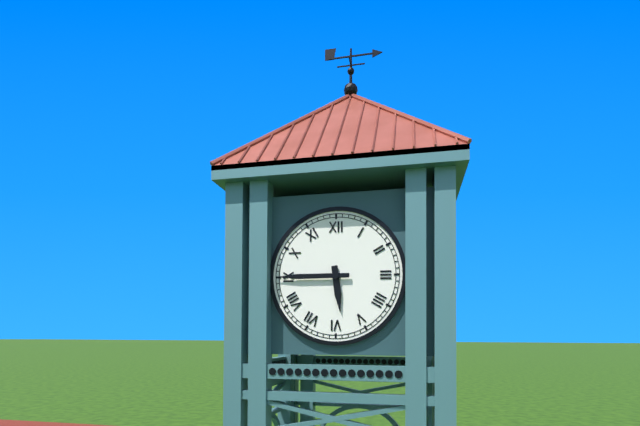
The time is **5:45**
